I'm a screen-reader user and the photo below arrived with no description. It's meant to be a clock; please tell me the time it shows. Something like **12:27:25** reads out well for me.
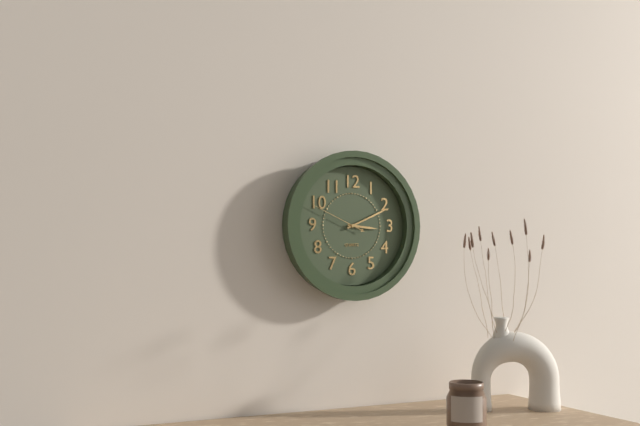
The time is **3:11:49**
